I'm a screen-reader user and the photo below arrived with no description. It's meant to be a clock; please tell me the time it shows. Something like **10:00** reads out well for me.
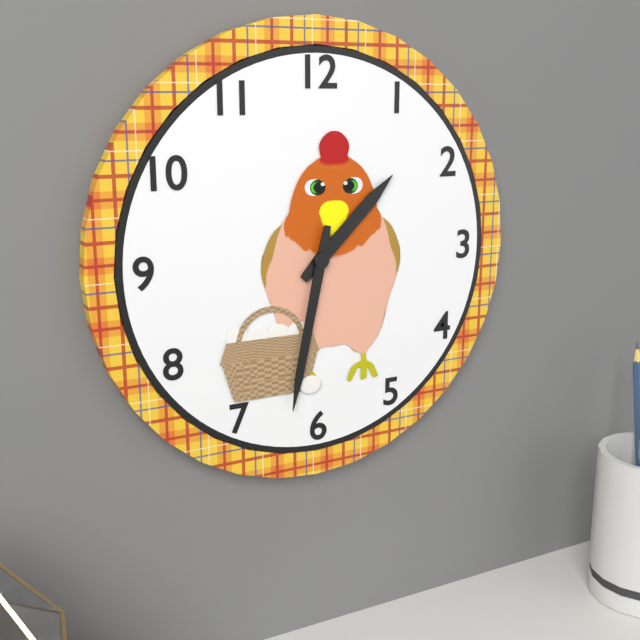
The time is **1:32**
